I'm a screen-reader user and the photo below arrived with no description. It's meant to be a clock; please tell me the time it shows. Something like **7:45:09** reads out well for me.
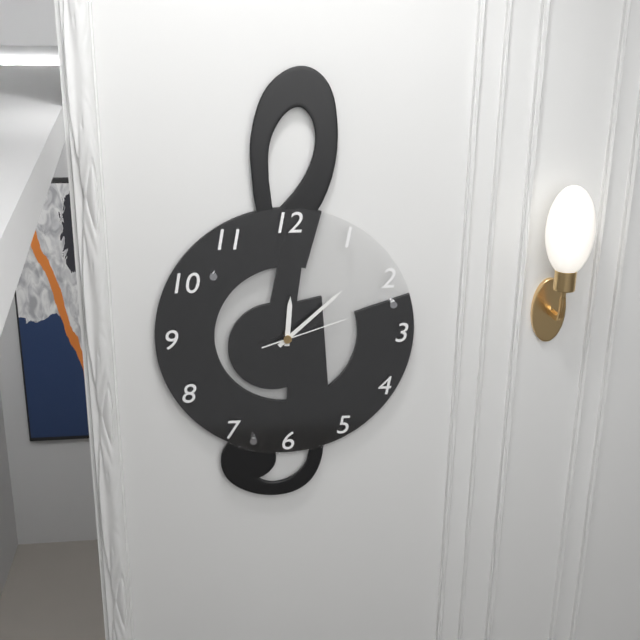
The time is **12:08:12**
